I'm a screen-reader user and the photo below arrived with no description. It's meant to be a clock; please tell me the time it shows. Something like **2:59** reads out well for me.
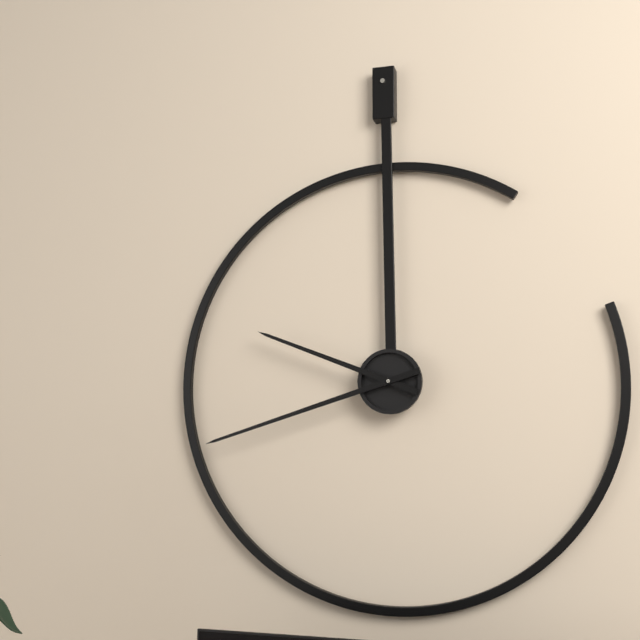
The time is **9:42**
